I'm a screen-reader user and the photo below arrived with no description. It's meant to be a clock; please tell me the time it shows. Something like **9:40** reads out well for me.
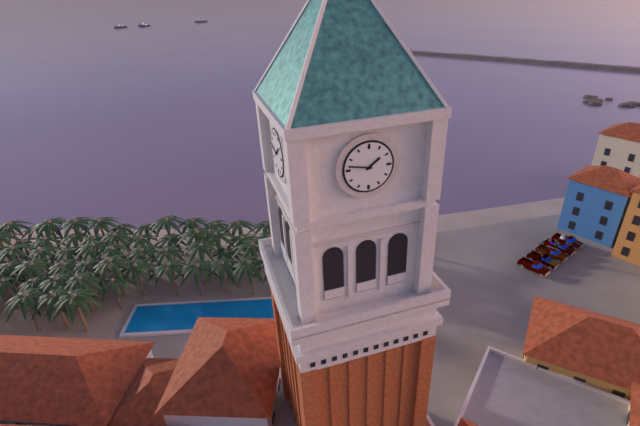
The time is **1:47**
